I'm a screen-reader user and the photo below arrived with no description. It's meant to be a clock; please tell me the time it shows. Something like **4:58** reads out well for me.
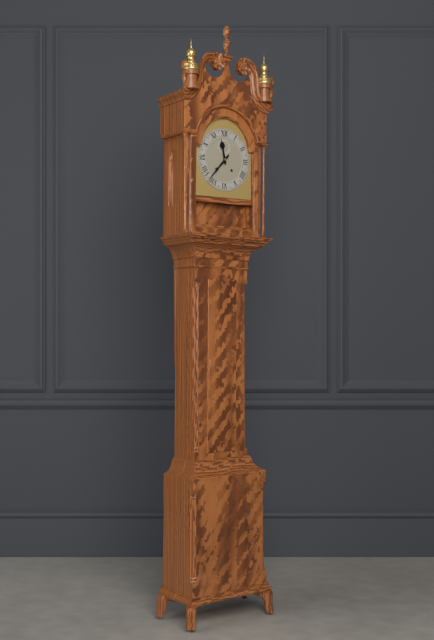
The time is **11:37**
